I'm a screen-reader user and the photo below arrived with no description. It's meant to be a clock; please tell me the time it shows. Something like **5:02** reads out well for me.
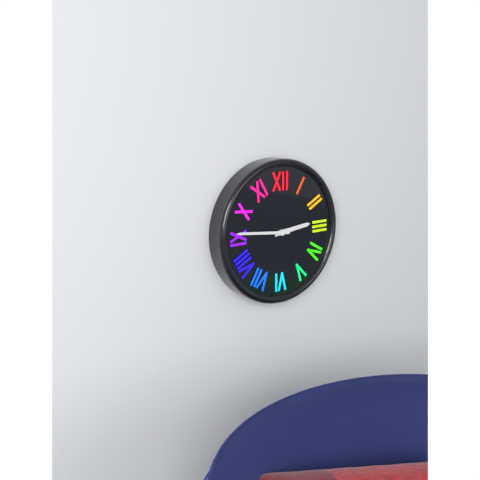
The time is **2:46**
